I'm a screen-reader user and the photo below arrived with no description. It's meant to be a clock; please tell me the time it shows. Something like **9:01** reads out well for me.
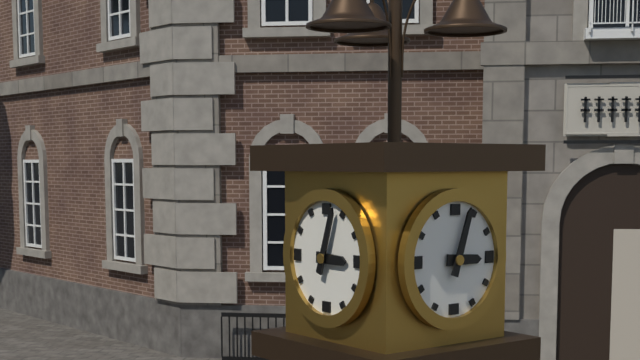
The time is **3:03**
